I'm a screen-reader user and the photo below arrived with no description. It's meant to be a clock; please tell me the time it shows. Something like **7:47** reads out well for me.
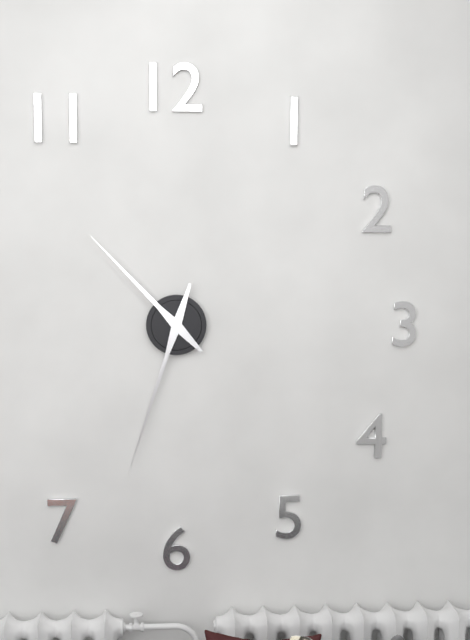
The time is **10:33**
